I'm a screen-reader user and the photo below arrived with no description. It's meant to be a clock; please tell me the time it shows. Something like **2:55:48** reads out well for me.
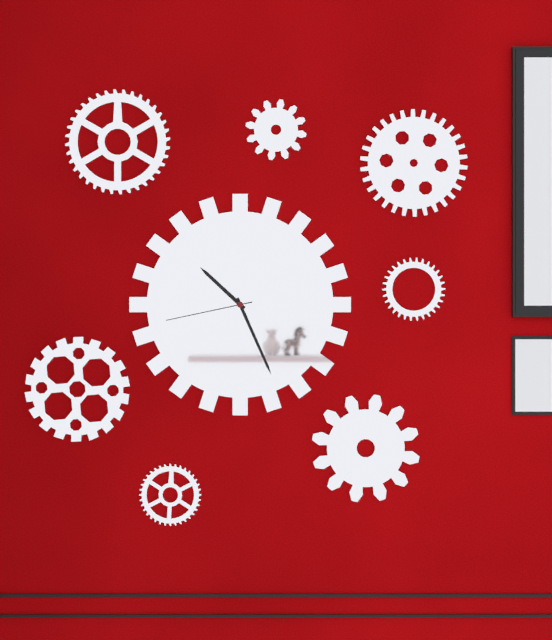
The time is **10:26:43**
